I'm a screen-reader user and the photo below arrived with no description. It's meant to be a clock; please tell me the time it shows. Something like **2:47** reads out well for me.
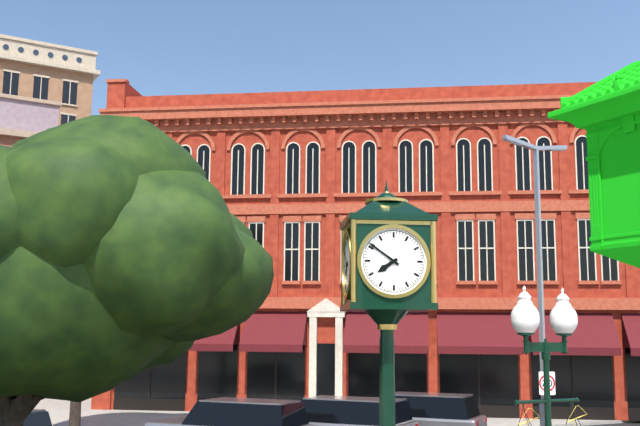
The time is **7:51**
